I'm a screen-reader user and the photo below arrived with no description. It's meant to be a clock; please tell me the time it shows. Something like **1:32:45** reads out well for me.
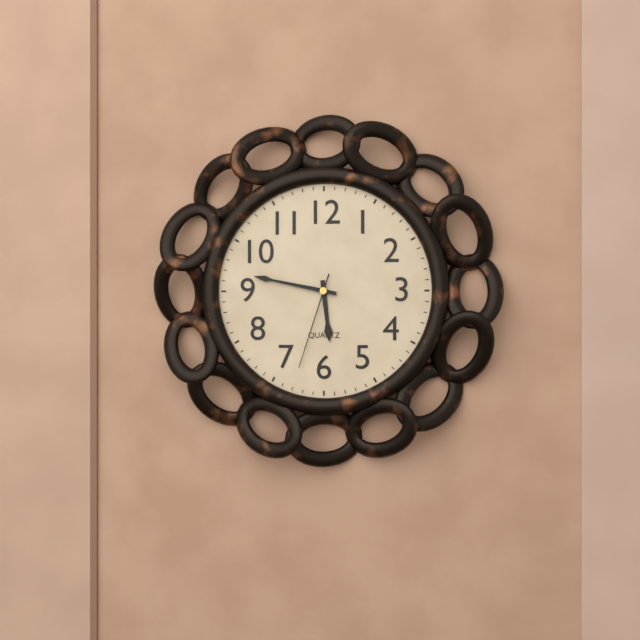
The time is **5:47:33**
